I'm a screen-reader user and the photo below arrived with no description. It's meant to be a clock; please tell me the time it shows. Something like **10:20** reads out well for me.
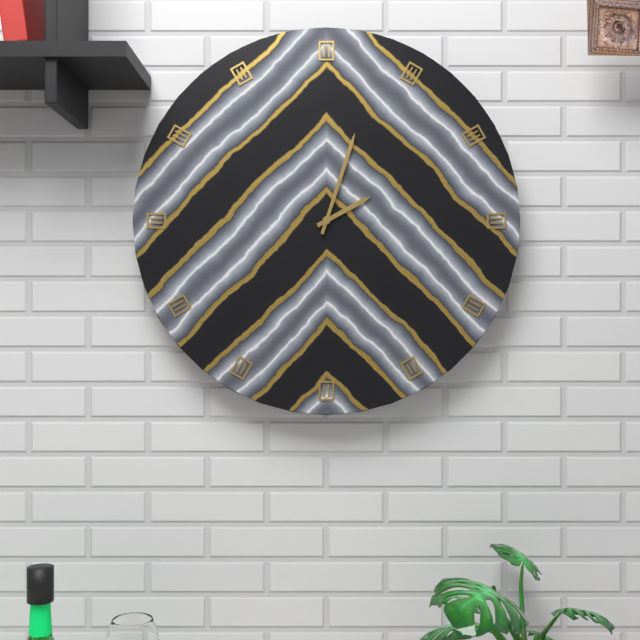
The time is **2:03**
